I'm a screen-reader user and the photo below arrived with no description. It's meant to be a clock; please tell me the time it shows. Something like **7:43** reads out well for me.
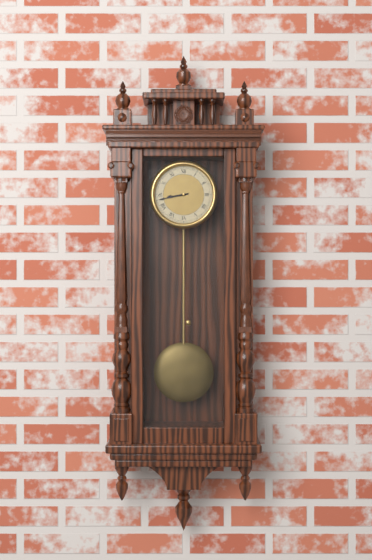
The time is **8:43**
